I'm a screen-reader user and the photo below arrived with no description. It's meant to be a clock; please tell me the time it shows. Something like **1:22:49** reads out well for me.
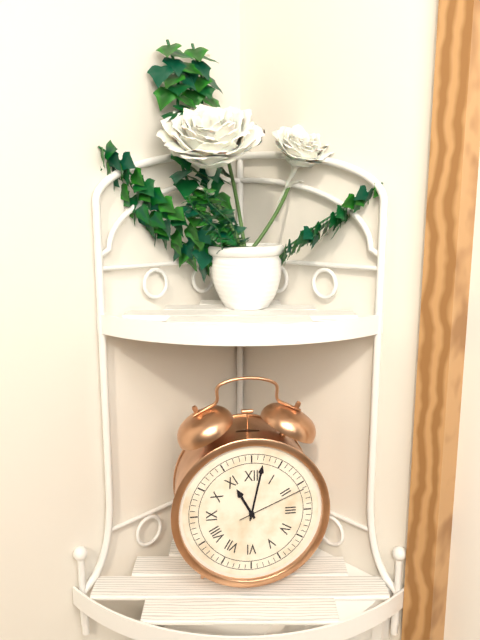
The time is **11:02:11**
